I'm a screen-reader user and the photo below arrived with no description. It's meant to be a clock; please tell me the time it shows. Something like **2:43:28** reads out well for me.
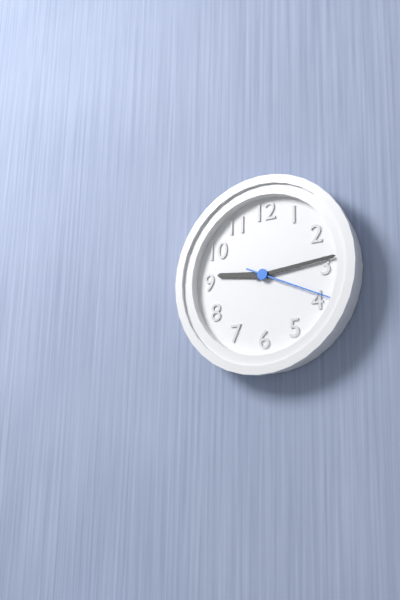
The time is **9:14:19**
